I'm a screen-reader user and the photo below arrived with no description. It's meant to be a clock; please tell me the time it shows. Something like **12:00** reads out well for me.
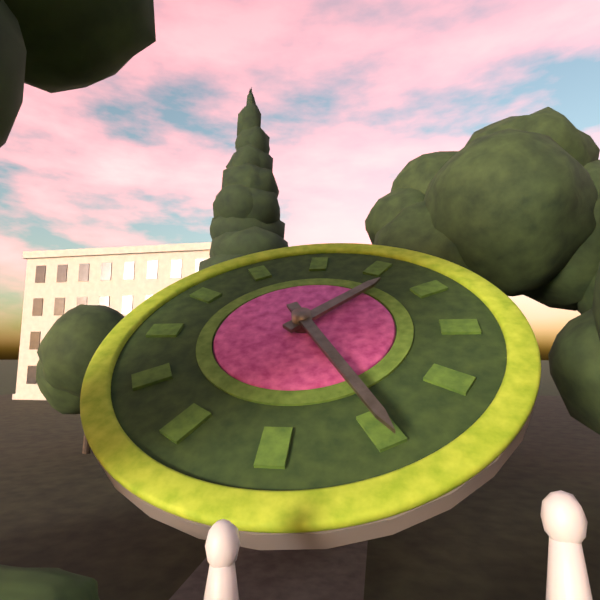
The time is **1:25**
